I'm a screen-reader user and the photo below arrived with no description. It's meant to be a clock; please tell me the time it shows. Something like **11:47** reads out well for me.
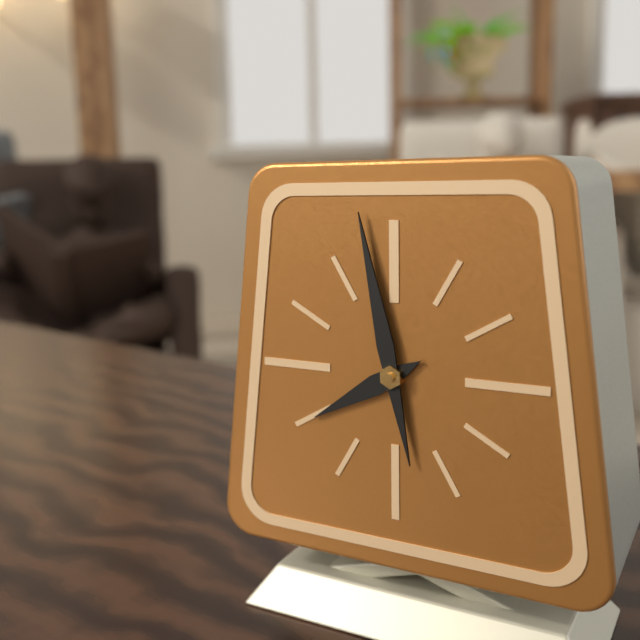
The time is **7:58**
